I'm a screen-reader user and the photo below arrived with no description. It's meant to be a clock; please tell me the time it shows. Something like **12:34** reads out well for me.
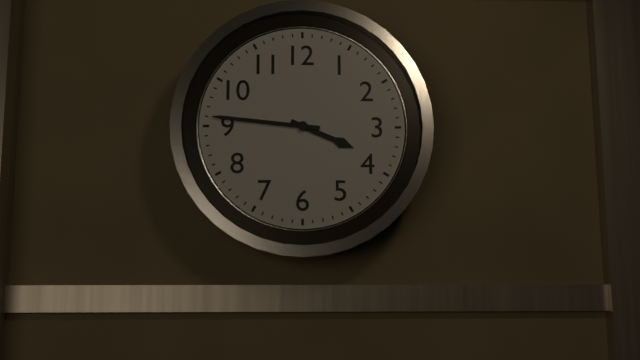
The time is **3:46**
